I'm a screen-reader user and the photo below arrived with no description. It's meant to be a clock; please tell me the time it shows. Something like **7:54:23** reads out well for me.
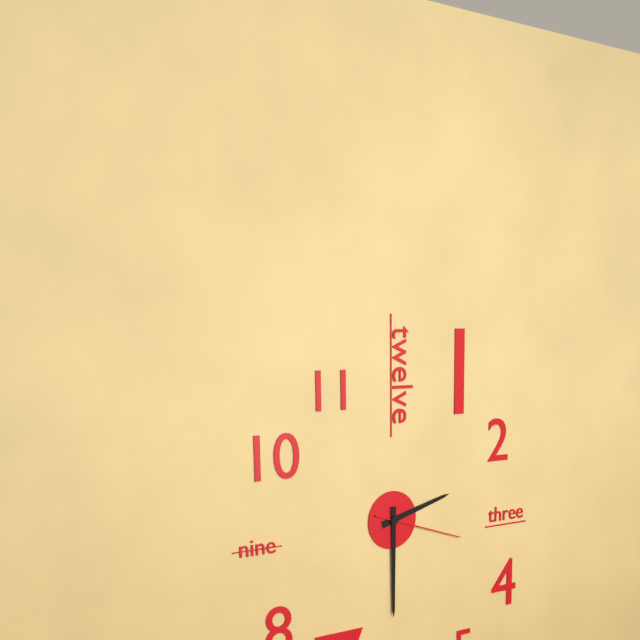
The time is **2:30:18**
